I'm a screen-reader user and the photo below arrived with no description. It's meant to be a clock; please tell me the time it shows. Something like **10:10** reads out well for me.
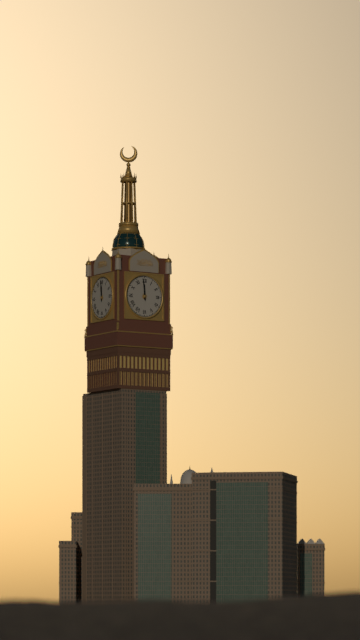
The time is **11:59**
